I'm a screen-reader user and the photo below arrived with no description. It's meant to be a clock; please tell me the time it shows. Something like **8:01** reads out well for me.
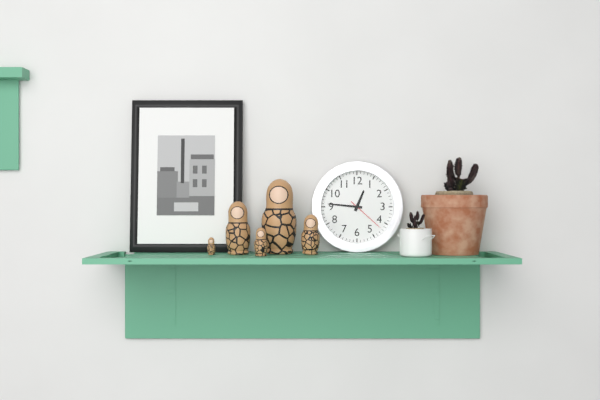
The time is **12:46**
